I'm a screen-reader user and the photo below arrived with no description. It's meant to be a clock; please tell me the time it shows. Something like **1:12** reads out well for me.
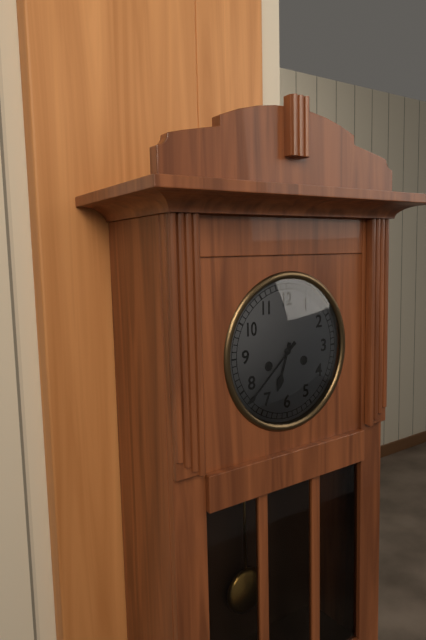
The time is **6:38**
